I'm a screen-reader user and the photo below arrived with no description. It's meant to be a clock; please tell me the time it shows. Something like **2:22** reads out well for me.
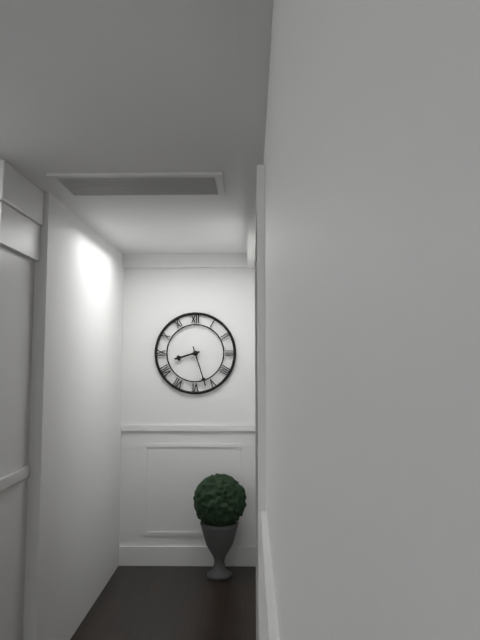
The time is **8:27**
